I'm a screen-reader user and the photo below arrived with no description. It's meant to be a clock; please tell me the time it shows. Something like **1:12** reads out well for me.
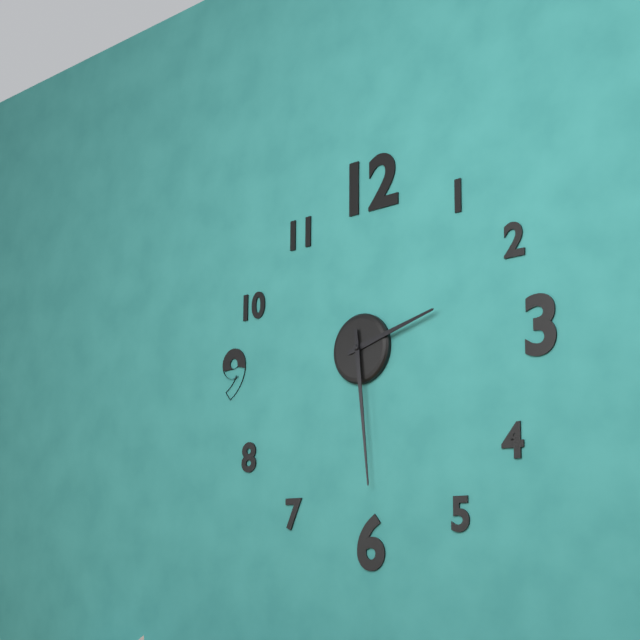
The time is **2:29**
